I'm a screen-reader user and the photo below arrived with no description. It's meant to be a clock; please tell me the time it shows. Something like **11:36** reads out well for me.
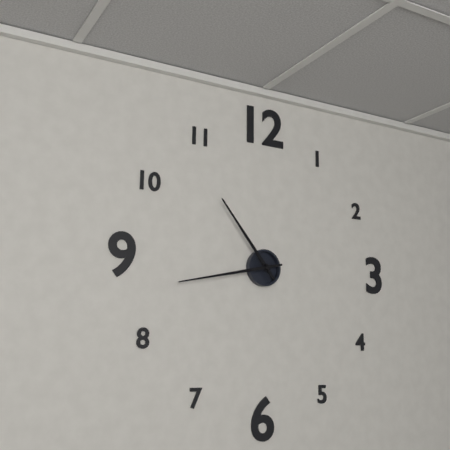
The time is **10:43**
